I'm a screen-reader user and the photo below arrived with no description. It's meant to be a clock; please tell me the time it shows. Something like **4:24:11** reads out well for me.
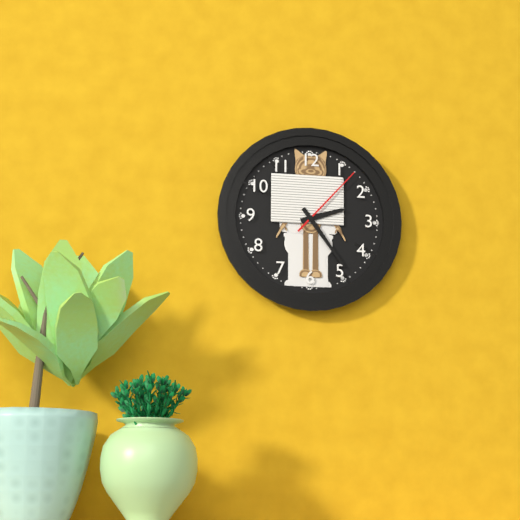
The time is **2:24:07**
